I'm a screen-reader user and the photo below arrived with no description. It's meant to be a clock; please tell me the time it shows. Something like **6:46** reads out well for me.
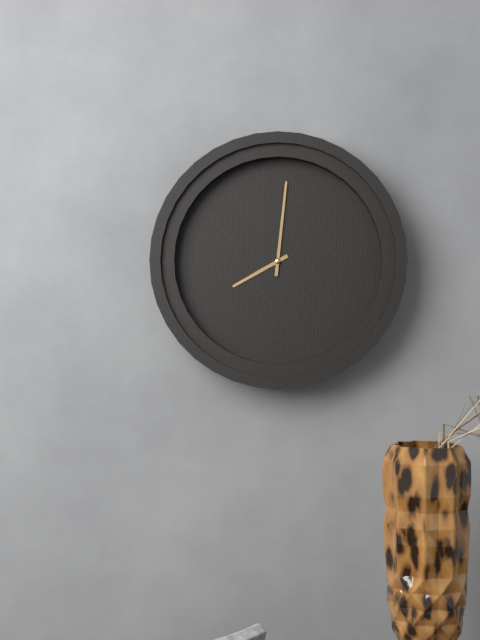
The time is **8:01**
